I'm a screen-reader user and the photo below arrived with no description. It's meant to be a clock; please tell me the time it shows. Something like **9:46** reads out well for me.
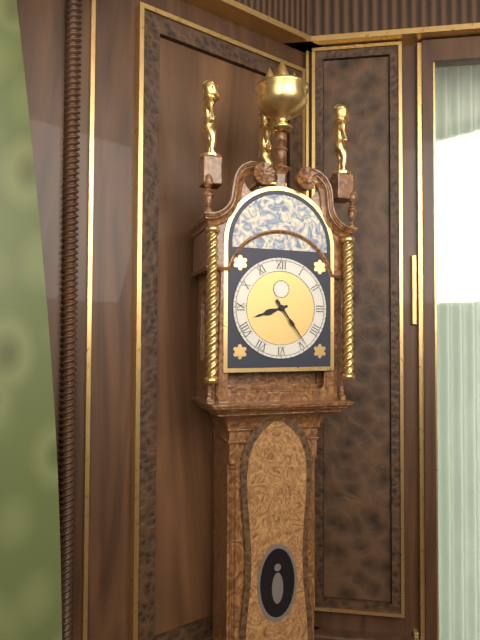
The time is **8:24**
